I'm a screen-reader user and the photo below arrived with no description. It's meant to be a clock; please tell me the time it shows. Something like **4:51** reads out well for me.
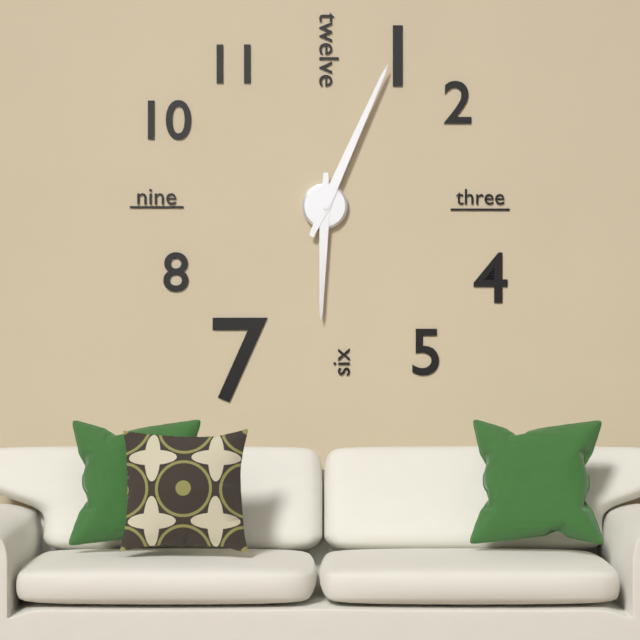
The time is **6:04**
